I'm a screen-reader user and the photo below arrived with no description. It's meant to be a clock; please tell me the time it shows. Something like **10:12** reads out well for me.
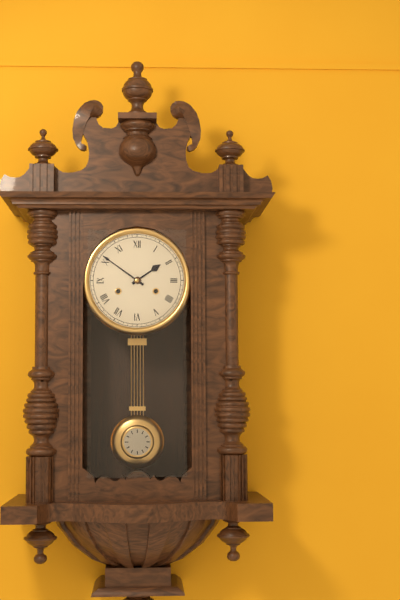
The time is **1:51**
